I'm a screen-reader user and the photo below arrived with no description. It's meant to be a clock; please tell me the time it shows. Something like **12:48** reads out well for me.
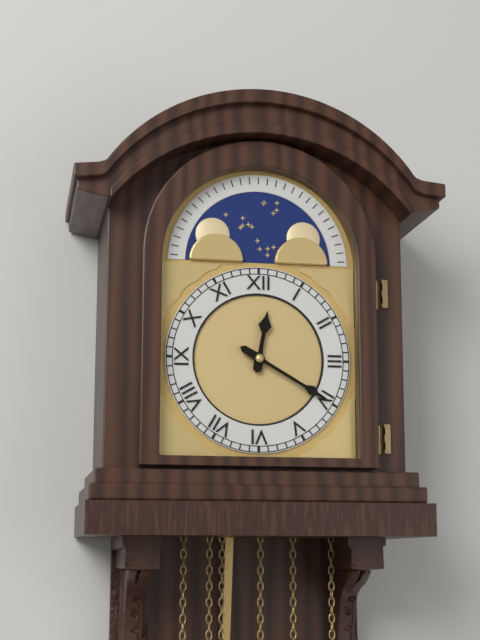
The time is **12:20**
